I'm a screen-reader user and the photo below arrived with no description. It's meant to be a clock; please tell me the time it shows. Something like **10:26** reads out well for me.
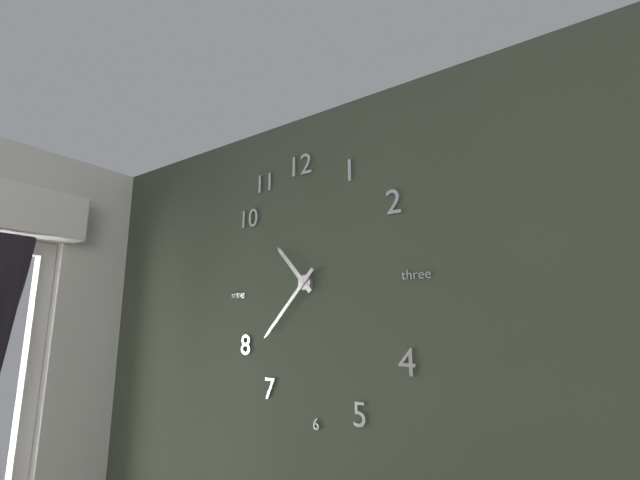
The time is **10:37**
